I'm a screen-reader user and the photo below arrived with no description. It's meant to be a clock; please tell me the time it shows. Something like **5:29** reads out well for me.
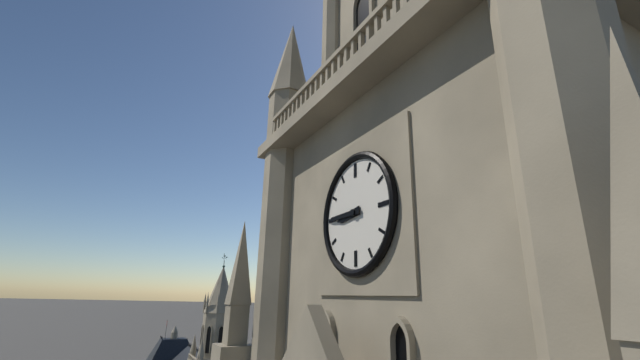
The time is **8:45**
